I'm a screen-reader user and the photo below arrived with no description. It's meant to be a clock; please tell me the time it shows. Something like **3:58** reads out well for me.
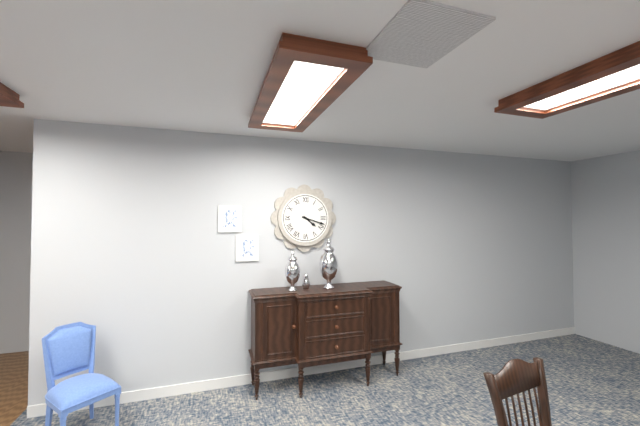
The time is **4:18**
